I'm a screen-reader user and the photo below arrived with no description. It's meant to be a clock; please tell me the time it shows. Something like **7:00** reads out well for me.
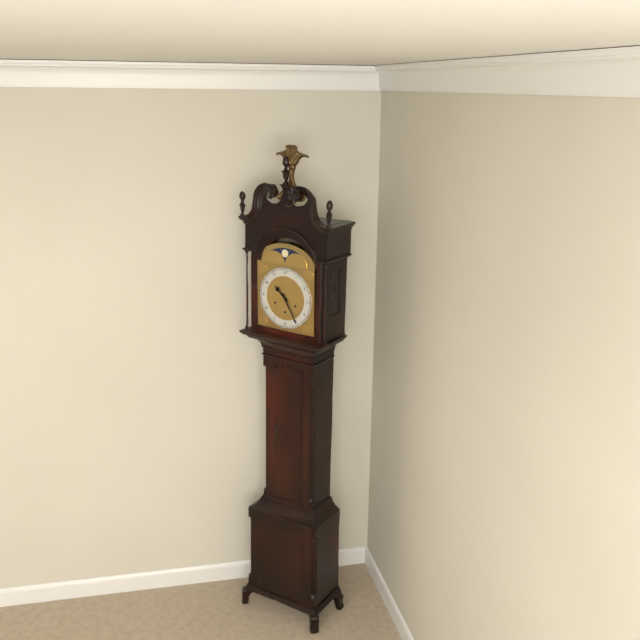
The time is **10:25**
